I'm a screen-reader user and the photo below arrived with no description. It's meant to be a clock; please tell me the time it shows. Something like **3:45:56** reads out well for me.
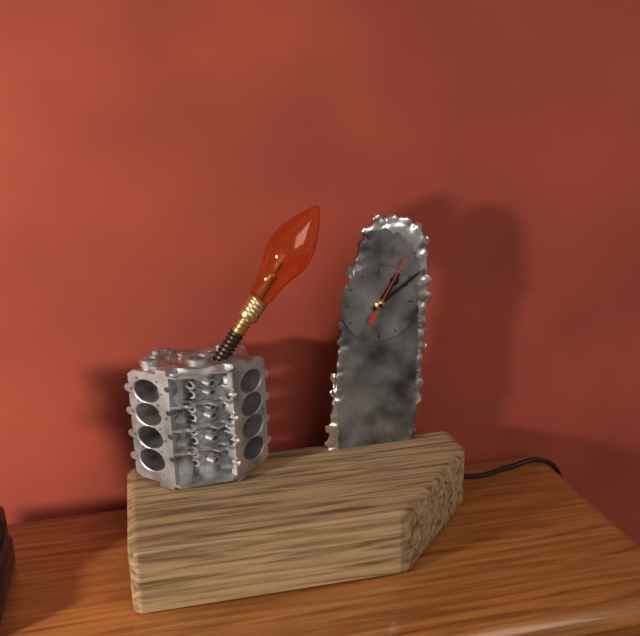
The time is **1:09:05**
